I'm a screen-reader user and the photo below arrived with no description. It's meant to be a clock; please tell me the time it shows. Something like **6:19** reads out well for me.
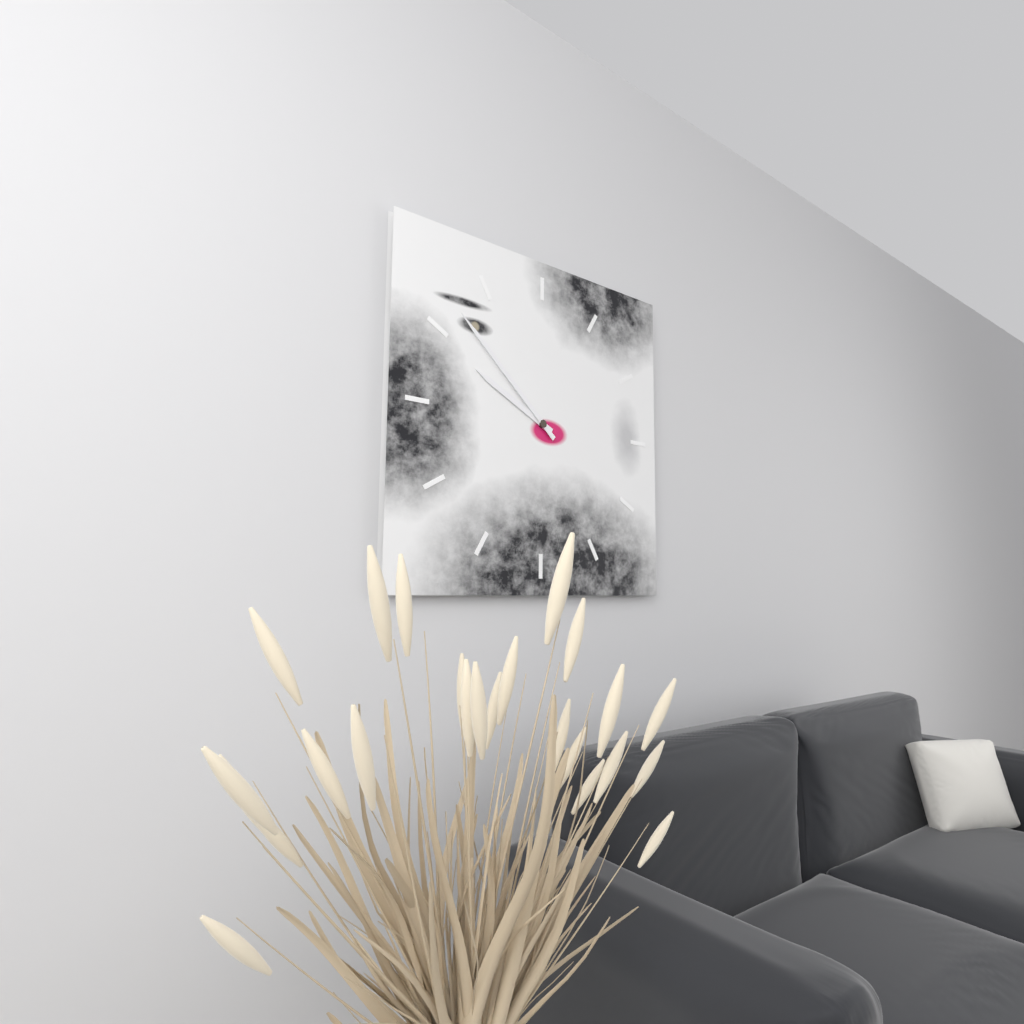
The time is **9:52**
